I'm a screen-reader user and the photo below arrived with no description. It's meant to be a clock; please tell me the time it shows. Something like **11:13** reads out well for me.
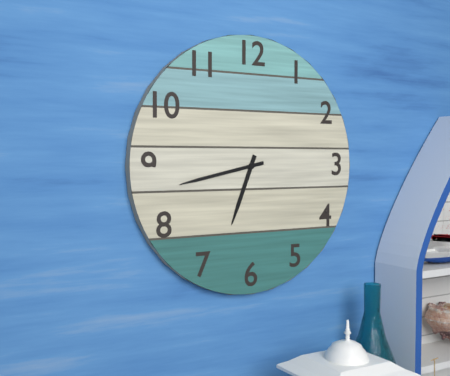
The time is **6:43**
